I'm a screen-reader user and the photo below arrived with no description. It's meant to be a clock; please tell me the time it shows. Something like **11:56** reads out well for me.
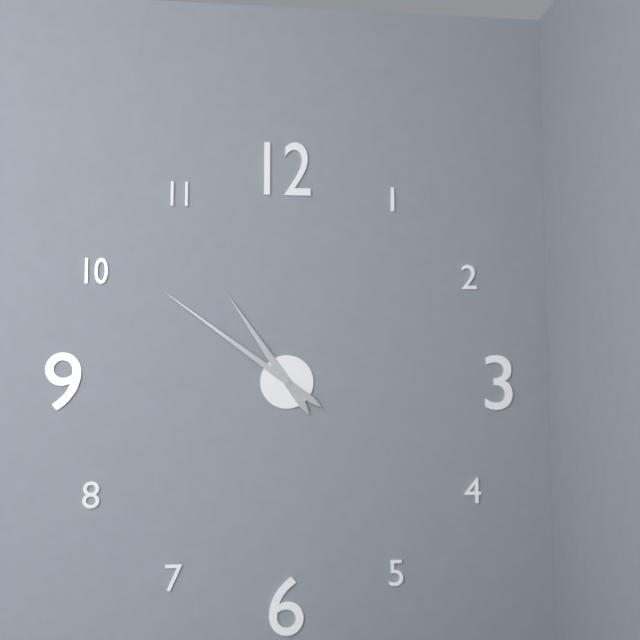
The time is **10:51**
